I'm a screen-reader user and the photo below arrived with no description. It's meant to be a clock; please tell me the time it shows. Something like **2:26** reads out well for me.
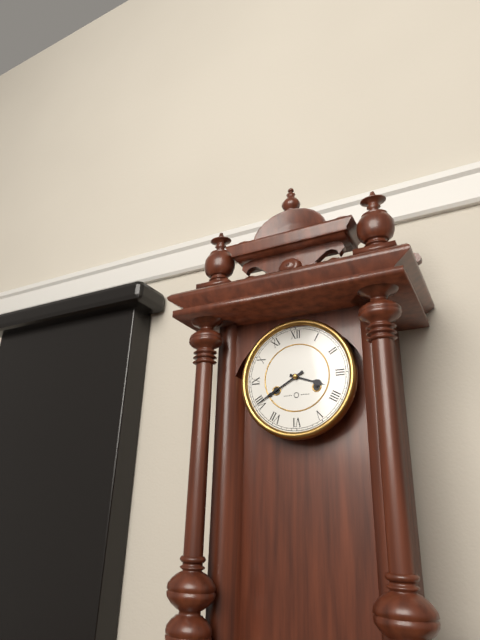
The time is **3:40**
